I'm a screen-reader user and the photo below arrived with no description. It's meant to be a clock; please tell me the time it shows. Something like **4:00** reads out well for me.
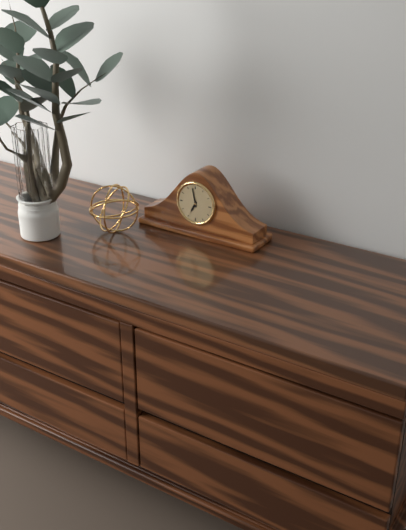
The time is **6:58**
